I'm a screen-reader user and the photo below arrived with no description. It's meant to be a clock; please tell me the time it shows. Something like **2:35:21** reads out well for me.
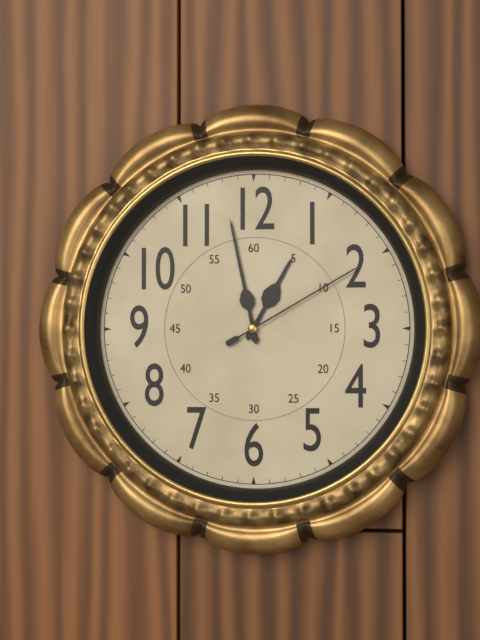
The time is **12:58:10**
